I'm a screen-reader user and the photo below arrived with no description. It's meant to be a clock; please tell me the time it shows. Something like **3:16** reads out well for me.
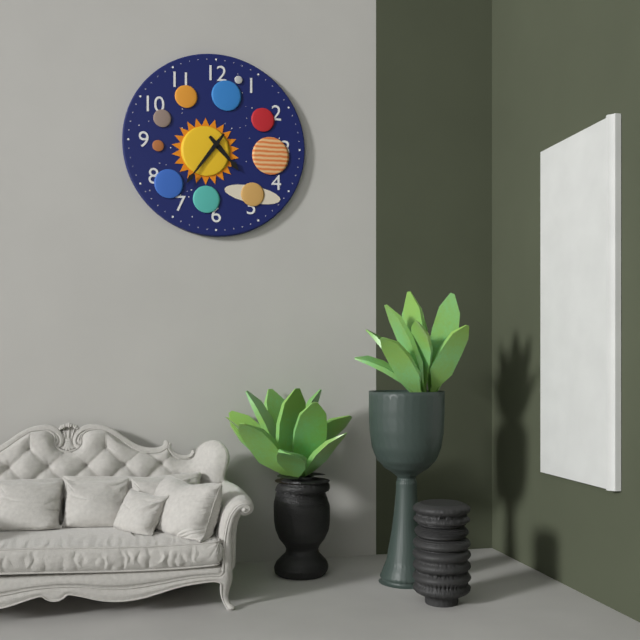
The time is **4:36**
